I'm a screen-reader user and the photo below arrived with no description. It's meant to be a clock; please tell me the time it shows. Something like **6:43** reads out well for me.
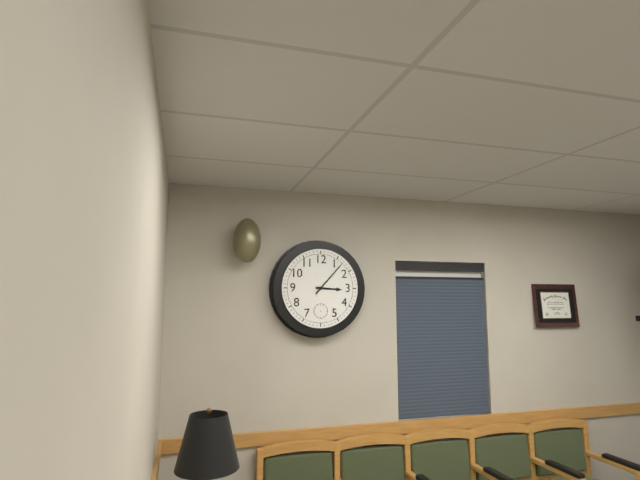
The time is **3:07**
